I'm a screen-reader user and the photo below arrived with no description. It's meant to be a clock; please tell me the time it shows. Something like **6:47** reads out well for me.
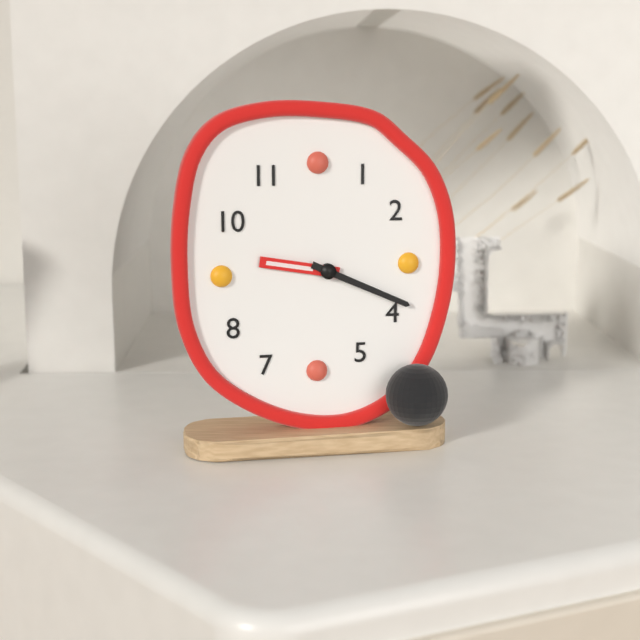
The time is **9:19**
